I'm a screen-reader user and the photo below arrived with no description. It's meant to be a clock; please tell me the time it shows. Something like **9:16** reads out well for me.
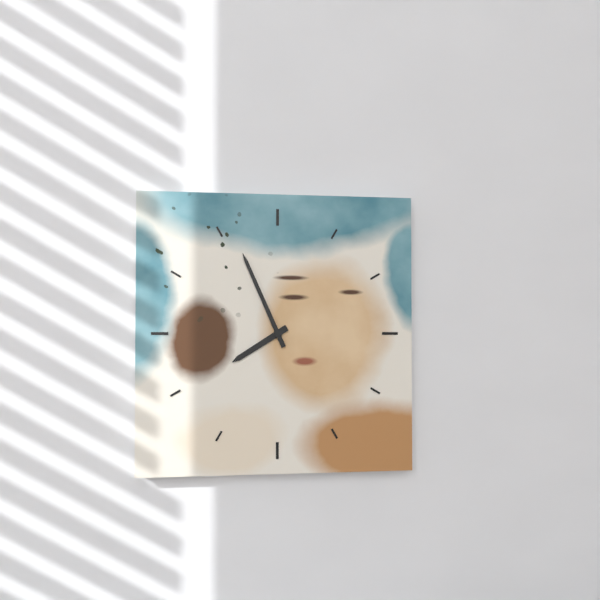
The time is **7:56**
